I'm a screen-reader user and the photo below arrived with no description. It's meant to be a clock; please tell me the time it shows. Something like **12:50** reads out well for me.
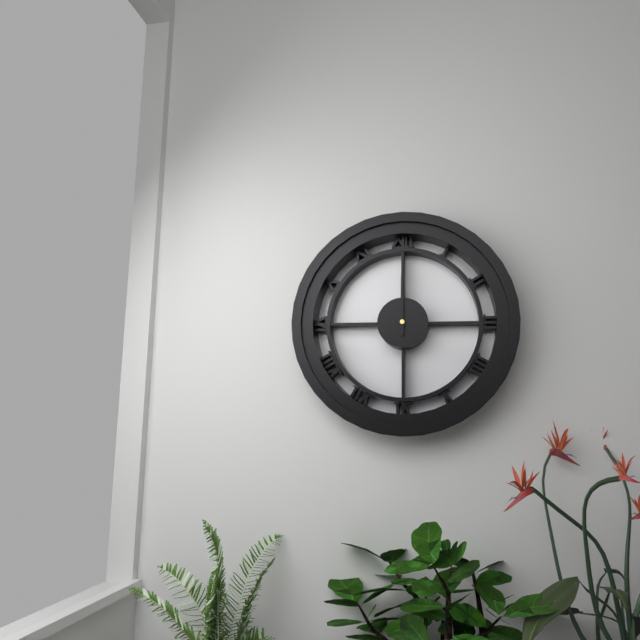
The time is **12:00**
